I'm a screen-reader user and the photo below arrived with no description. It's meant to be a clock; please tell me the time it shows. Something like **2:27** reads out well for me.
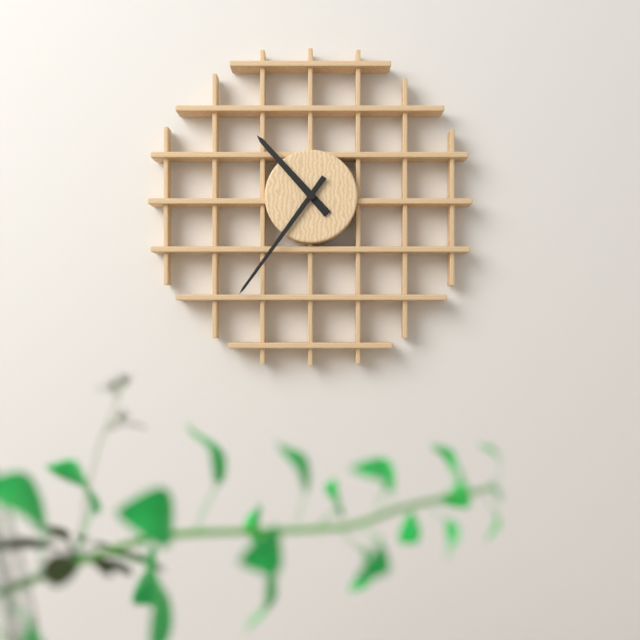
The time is **10:36**
